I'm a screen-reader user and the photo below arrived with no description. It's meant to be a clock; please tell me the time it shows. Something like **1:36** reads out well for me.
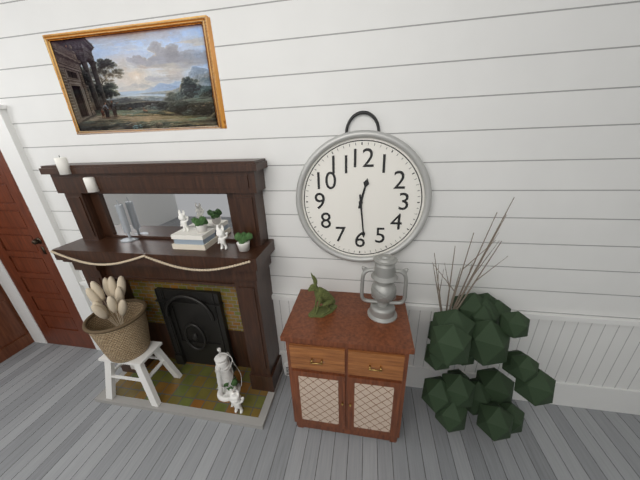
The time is **12:29**
